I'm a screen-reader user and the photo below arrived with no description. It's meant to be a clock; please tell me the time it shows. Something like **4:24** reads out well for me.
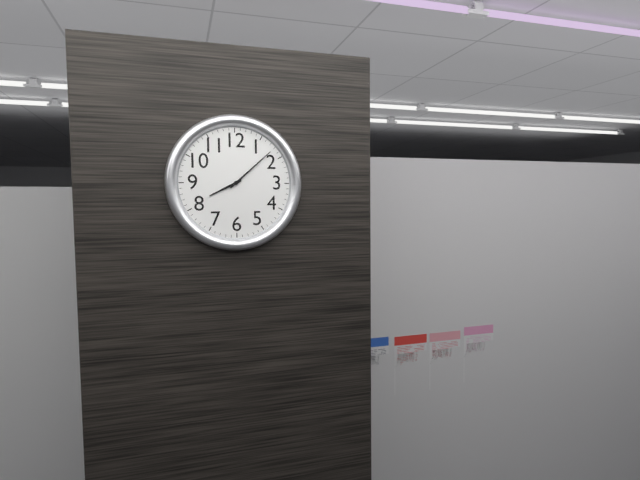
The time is **8:08**
